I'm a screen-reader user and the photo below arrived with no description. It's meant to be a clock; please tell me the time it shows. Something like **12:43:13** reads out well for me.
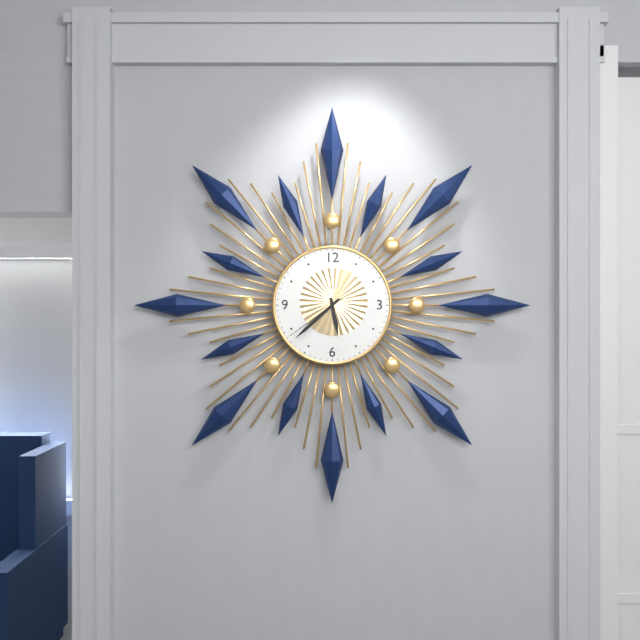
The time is **5:38:39**
